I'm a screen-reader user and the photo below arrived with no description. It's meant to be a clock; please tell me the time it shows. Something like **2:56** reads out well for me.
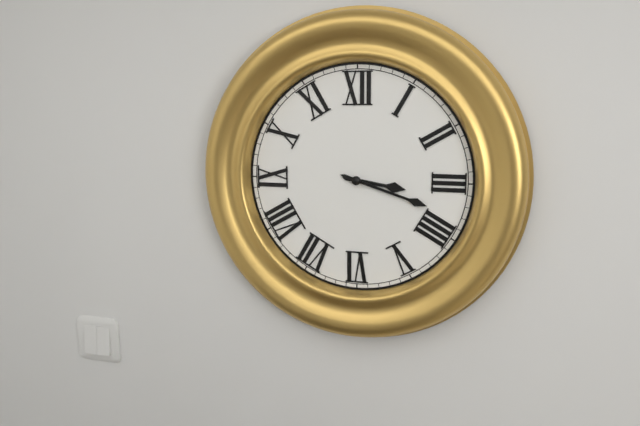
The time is **3:18**
